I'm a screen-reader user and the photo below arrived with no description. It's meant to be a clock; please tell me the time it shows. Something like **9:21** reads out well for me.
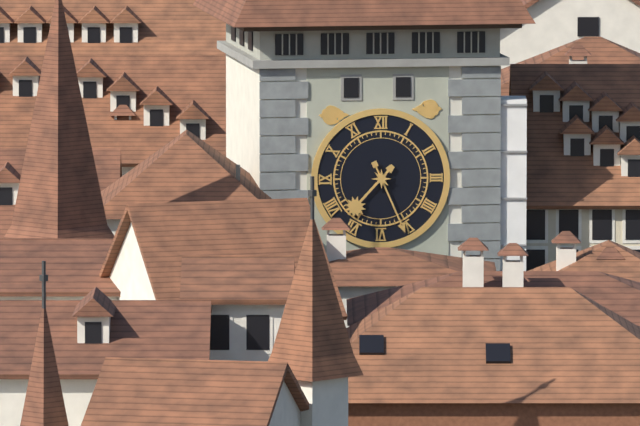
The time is **7:26**
